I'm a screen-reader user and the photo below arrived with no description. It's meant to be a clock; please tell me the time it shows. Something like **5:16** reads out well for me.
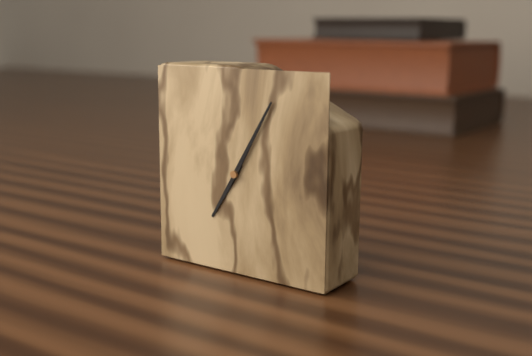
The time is **7:05**
